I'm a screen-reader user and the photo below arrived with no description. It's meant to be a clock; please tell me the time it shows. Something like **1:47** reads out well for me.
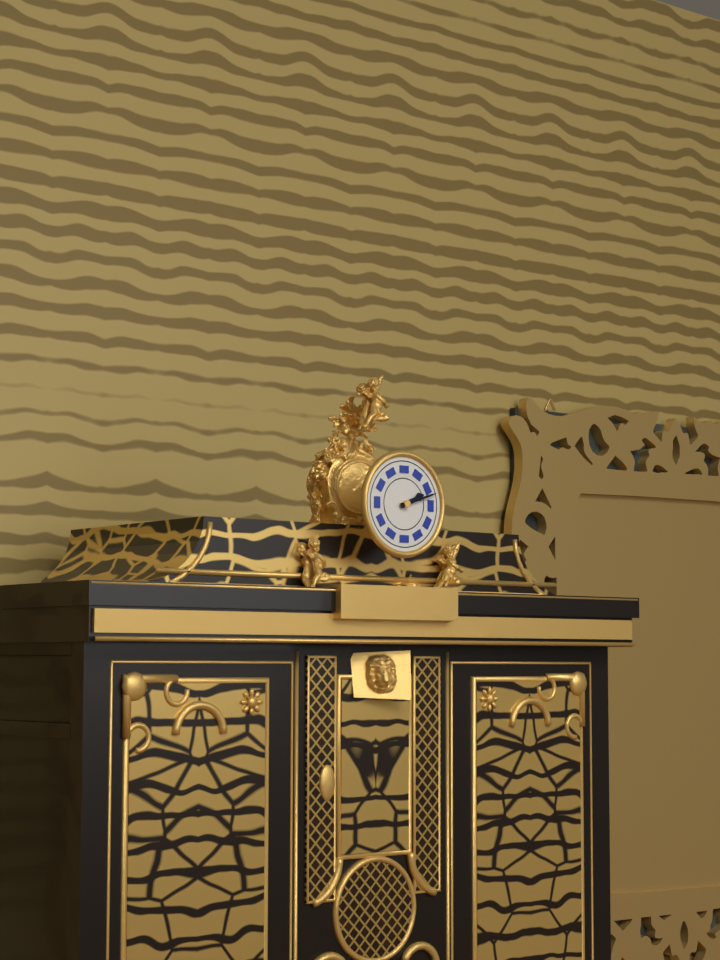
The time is **2:12**
